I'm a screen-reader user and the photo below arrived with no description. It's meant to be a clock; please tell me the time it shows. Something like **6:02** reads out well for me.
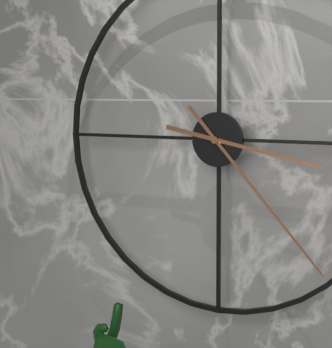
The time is **3:23**
